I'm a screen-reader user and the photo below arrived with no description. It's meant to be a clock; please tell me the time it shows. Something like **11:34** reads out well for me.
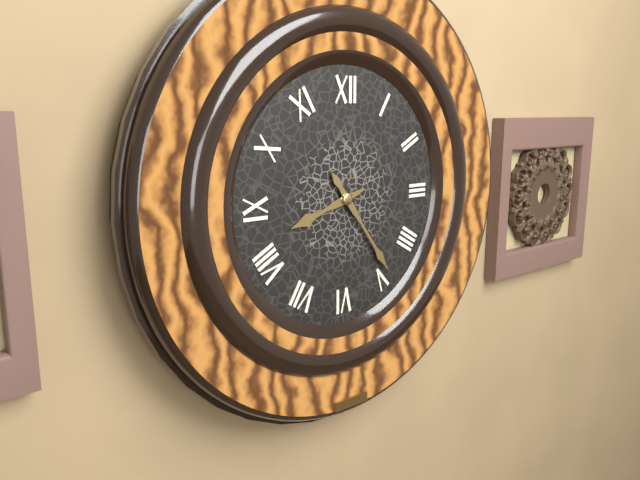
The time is **8:24**
